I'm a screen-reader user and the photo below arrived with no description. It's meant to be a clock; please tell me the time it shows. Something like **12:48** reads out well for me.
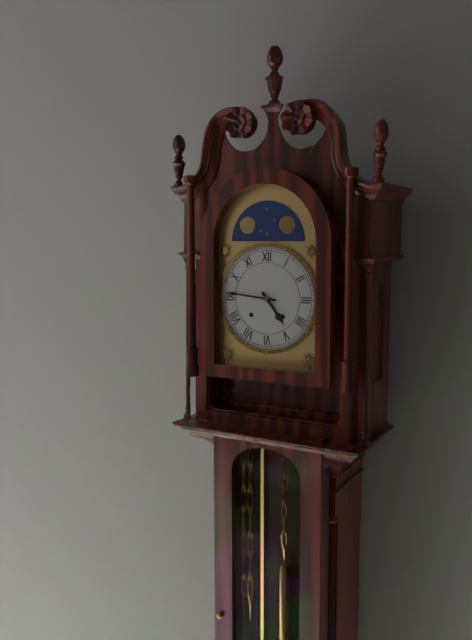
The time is **4:46**
